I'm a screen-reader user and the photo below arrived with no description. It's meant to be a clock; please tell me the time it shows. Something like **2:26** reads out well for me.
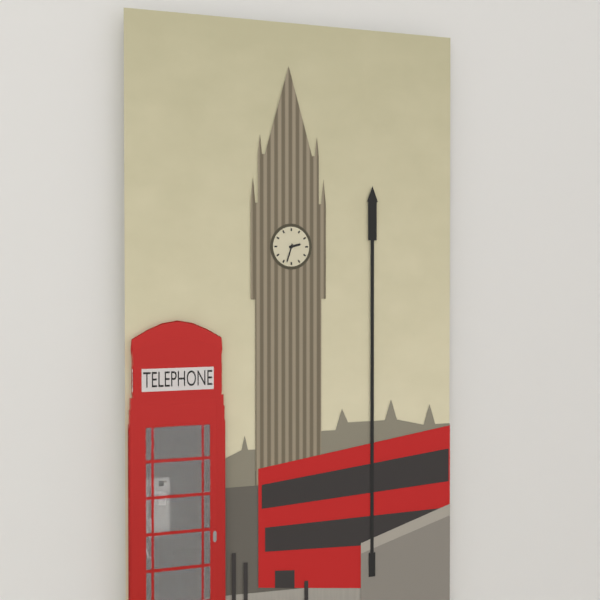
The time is **2:33**
